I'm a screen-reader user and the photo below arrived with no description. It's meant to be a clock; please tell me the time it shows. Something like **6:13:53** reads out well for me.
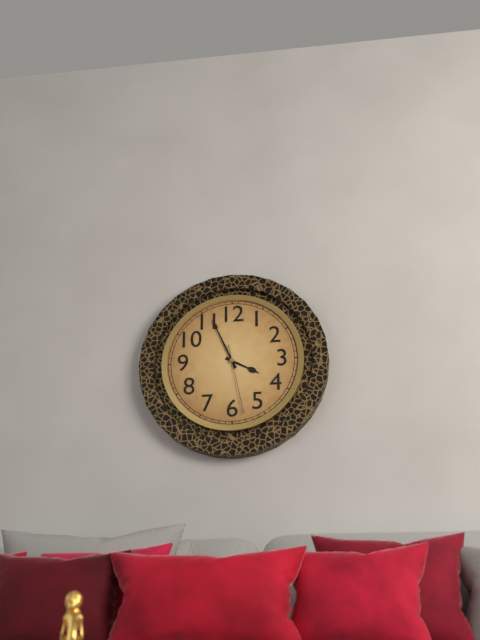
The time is **3:56:28**
